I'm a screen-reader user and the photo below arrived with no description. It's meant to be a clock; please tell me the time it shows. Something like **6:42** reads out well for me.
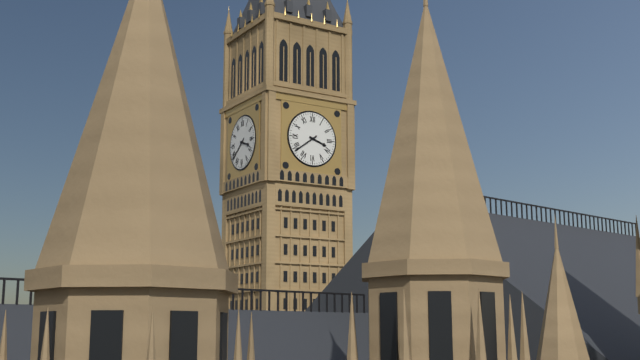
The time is **3:39**
